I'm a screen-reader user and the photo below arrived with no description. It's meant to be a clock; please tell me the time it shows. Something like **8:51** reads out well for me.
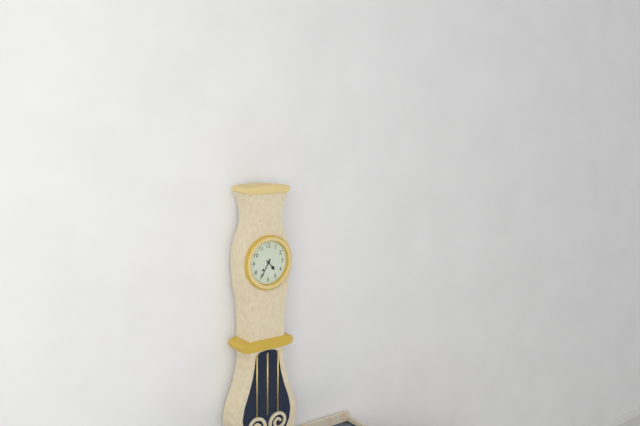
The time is **4:35**
